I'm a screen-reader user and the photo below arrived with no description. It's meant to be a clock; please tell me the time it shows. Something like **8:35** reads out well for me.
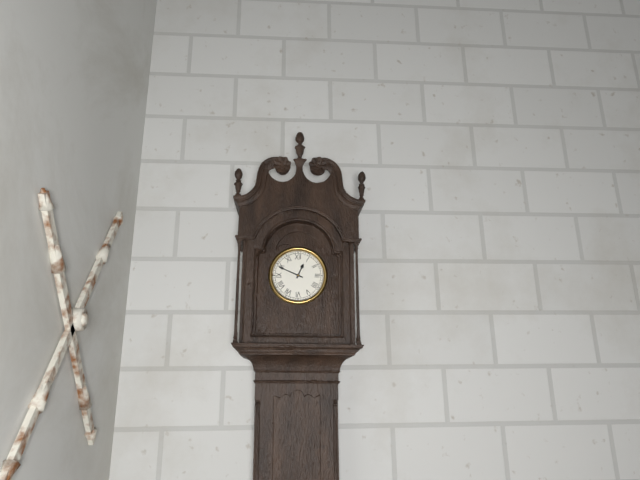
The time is **12:49**
